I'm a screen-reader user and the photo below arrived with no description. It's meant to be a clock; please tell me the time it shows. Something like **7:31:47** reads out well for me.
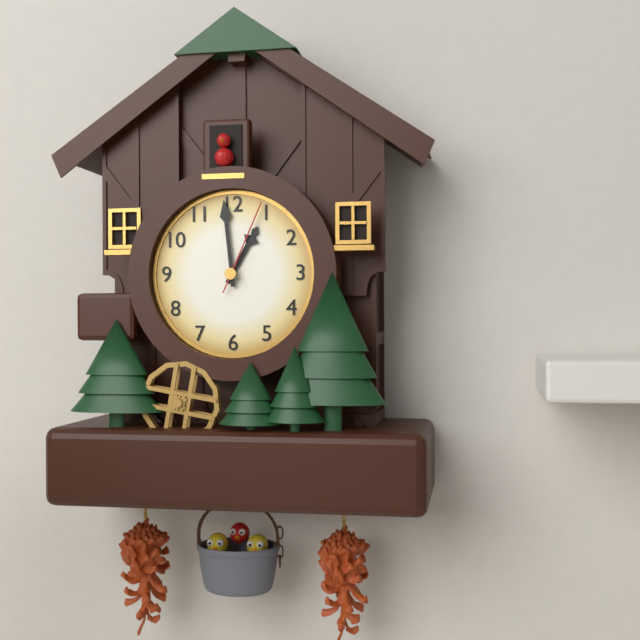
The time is **12:59:04**
